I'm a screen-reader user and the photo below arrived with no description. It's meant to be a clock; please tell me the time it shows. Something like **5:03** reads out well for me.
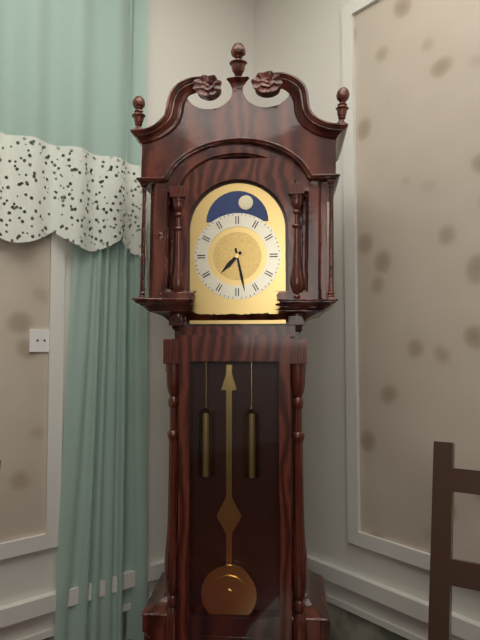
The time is **7:28**
